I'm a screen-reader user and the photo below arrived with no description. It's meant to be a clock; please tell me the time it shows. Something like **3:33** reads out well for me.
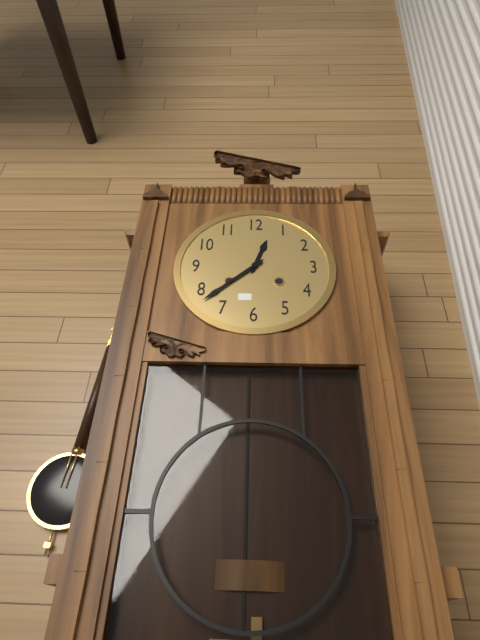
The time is **12:38**
